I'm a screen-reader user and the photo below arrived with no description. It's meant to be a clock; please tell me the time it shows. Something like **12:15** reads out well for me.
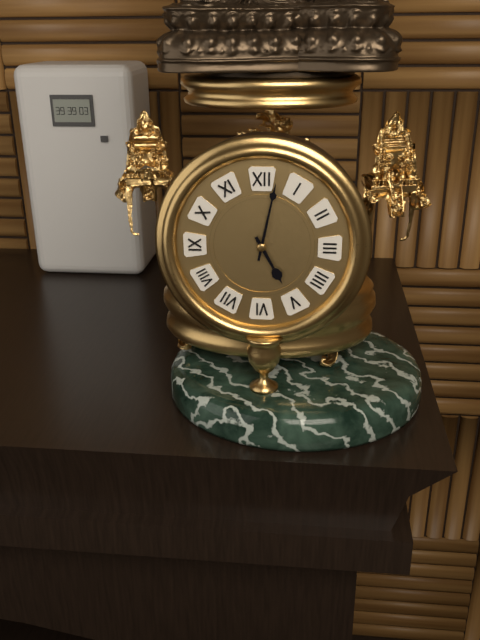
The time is **5:02**
